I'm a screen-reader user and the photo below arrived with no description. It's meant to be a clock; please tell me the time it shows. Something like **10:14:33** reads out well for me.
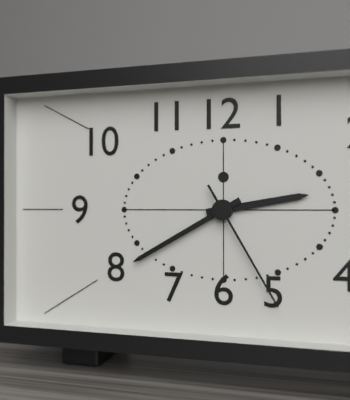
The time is **2:40:25**
